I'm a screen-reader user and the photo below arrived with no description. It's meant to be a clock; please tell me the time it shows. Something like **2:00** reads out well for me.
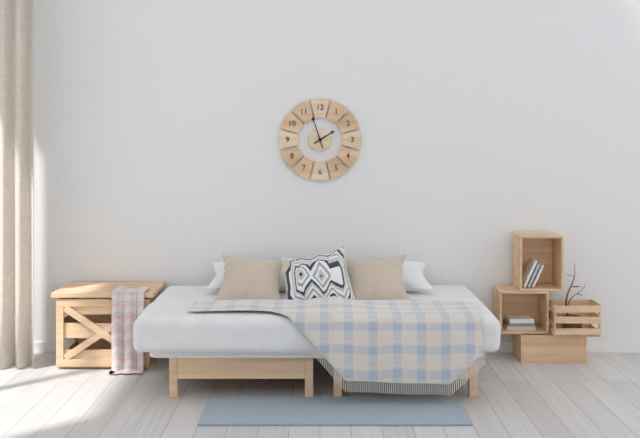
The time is **1:57**
